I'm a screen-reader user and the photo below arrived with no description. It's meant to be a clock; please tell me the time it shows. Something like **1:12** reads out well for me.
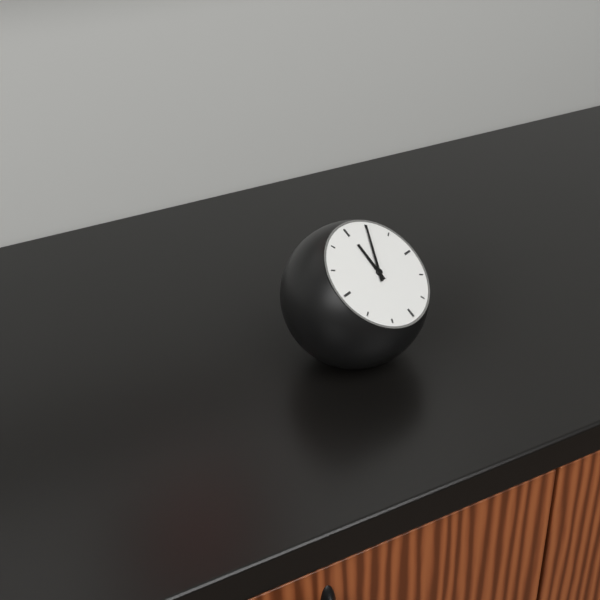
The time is **12:05**
